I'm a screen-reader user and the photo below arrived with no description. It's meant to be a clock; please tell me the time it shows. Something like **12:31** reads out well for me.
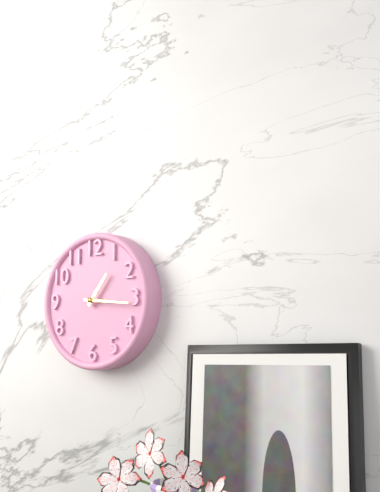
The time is **1:16**
